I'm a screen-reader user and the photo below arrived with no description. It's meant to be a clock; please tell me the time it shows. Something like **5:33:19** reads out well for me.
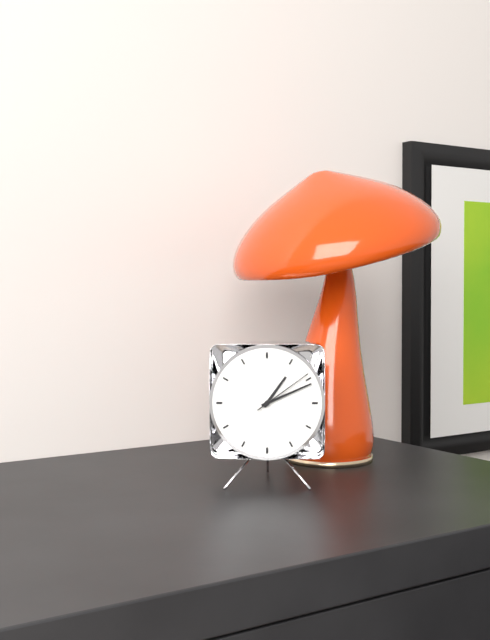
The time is **1:11:09**
